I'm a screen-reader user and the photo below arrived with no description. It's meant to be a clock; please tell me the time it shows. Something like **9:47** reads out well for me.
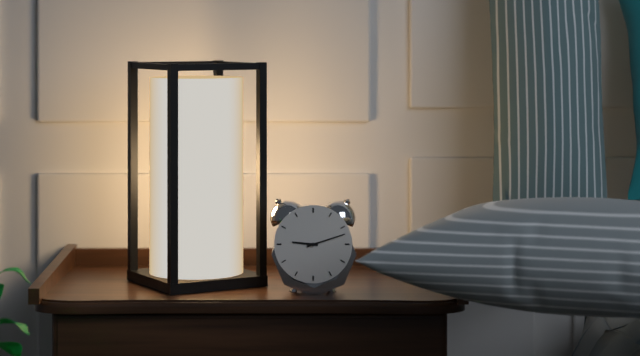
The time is **9:12**
